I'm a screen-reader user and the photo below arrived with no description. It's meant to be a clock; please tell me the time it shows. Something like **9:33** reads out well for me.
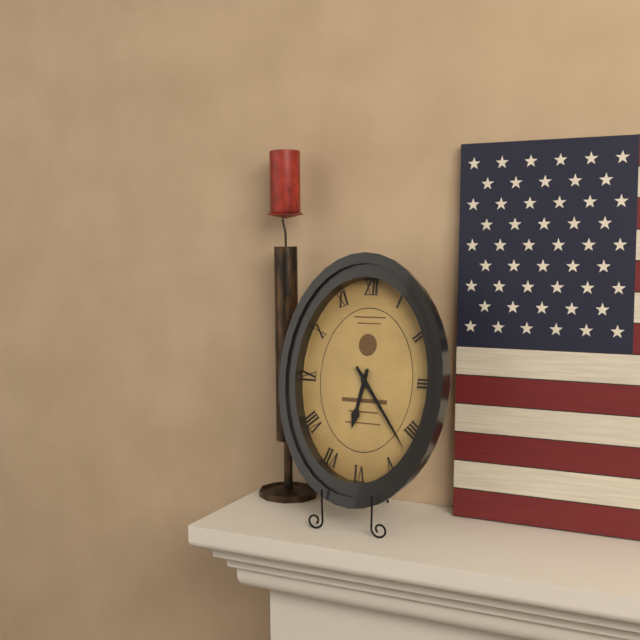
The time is **6:24**
